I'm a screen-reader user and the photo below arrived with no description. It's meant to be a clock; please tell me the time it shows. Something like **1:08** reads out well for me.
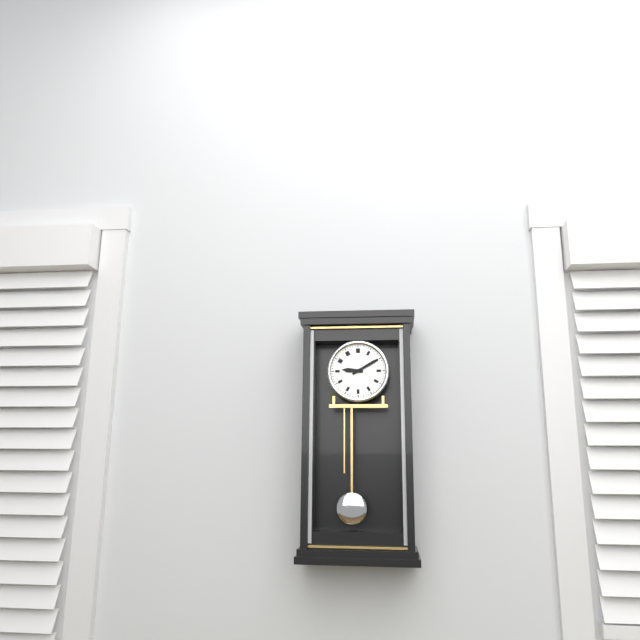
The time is **9:10**
